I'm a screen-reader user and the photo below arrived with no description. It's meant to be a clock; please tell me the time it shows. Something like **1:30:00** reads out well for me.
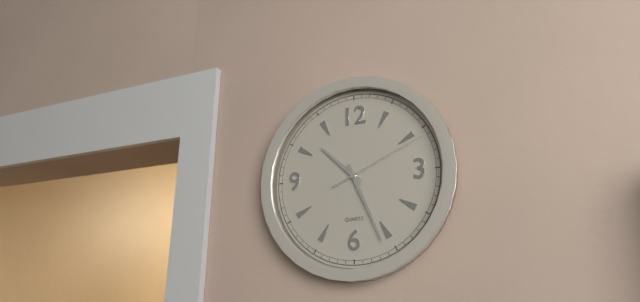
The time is **10:26:11**
